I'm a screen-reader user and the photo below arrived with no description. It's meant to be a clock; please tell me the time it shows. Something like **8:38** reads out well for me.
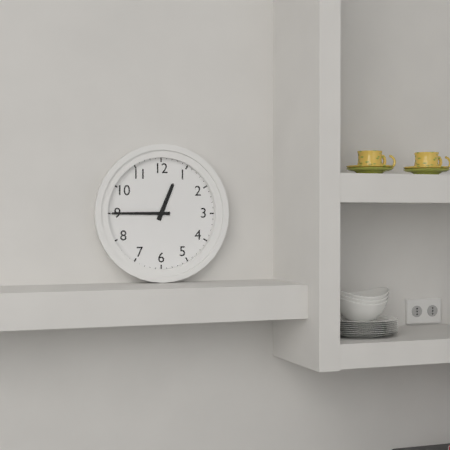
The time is **12:45**
